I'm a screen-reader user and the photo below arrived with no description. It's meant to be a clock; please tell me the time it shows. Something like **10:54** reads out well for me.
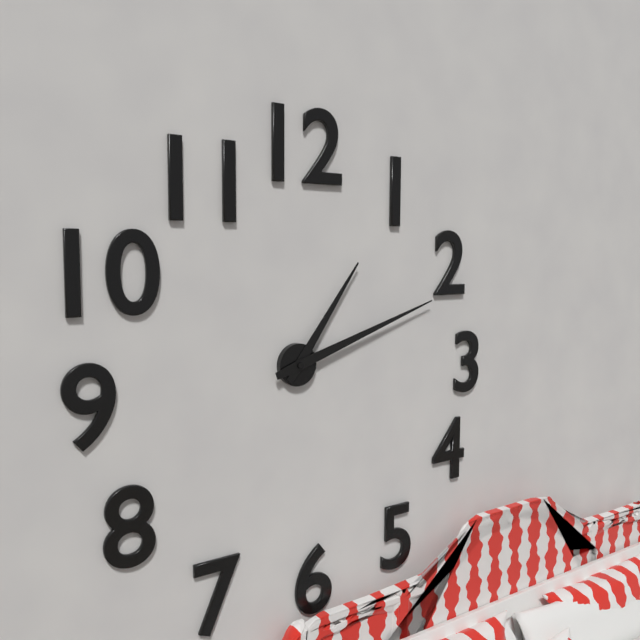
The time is **1:12**
